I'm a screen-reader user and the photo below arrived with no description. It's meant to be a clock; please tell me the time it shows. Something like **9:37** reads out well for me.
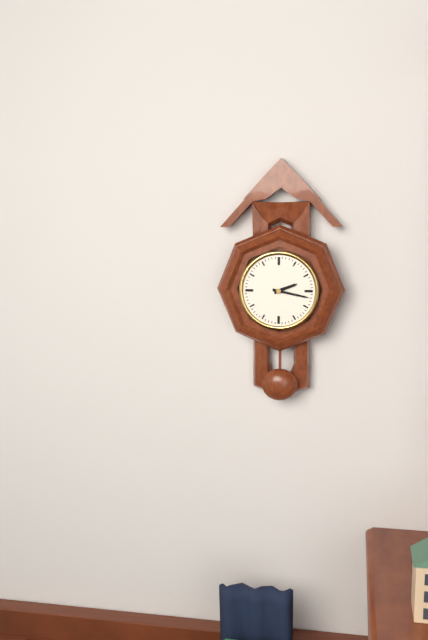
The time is **2:17**
